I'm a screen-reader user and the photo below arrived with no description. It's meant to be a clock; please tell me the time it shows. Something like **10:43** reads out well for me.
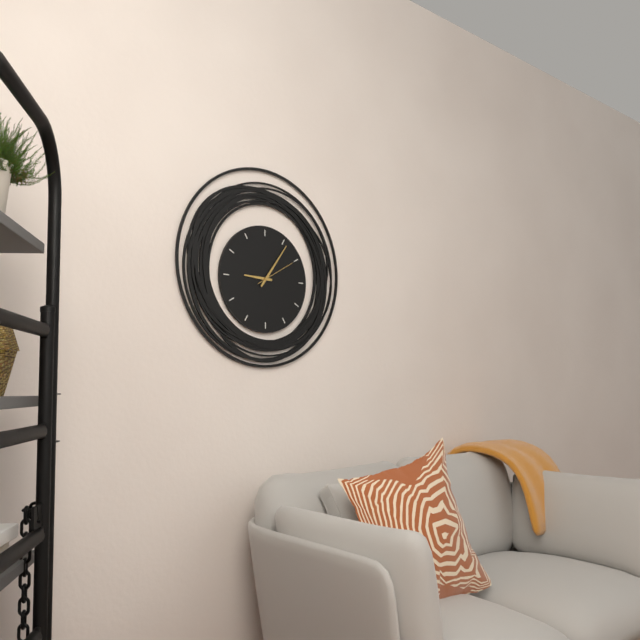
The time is **9:06**
